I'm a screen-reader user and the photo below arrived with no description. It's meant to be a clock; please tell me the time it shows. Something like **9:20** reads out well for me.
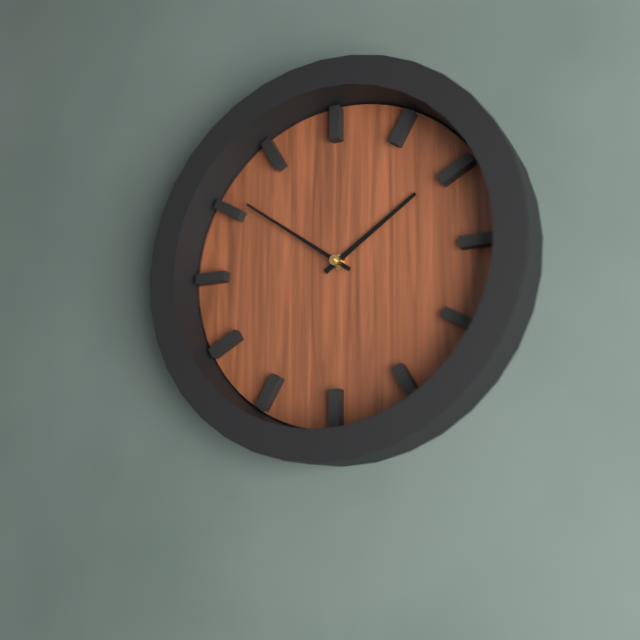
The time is **1:51**
